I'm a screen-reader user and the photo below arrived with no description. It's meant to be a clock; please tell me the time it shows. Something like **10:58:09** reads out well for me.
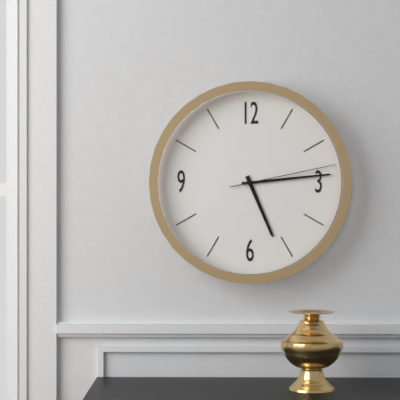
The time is **5:14:13**
